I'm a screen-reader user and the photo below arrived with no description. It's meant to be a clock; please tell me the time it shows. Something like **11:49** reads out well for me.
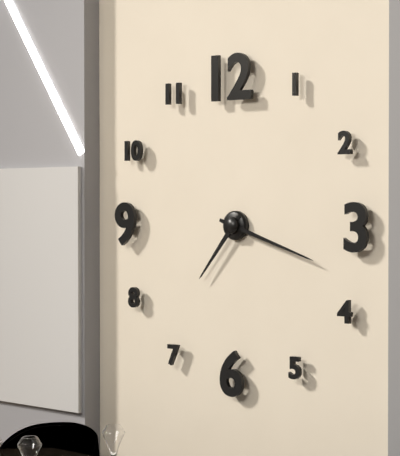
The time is **7:18**
